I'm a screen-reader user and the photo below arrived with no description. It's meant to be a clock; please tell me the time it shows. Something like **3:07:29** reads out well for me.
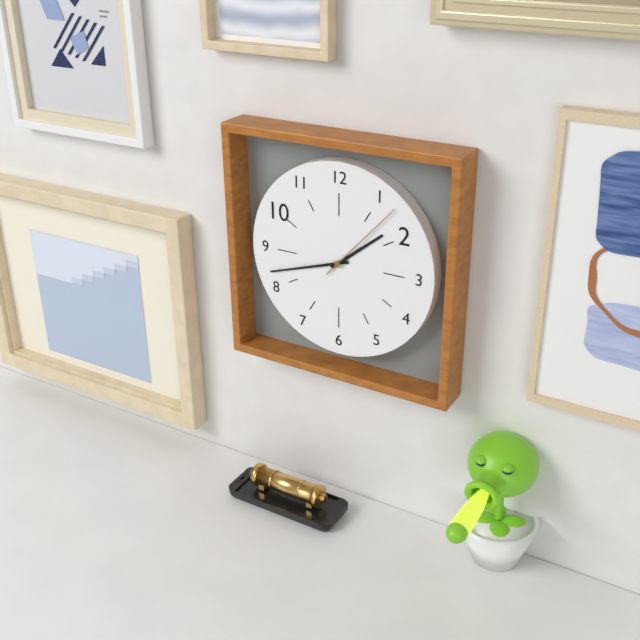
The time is **1:42:07**
